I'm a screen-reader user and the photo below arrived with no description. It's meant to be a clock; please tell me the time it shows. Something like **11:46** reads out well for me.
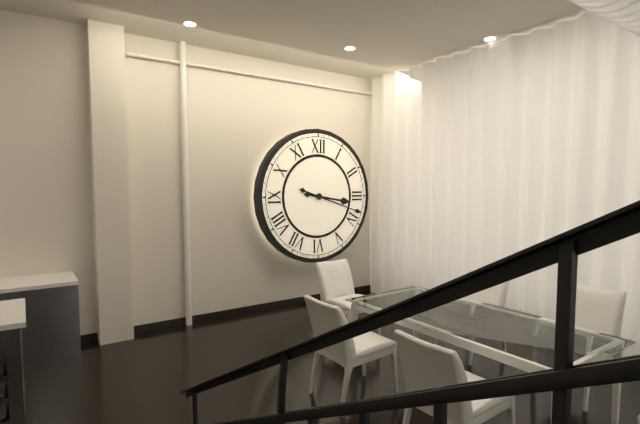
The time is **3:18**
